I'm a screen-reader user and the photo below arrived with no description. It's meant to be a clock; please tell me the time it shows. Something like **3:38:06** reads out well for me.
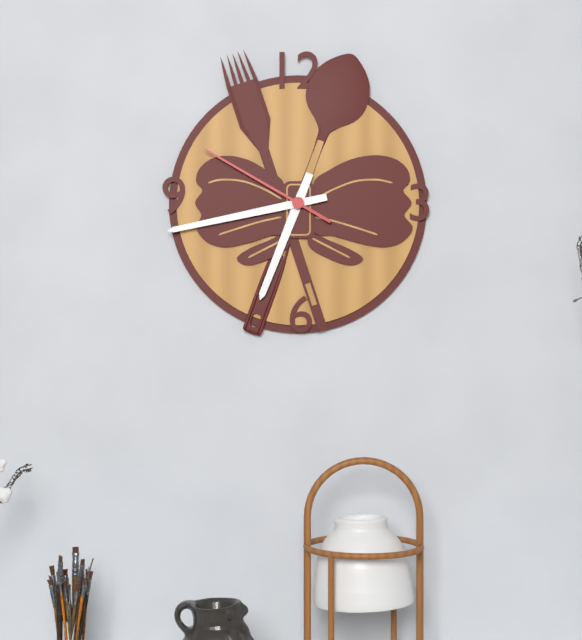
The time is **6:43:50**
